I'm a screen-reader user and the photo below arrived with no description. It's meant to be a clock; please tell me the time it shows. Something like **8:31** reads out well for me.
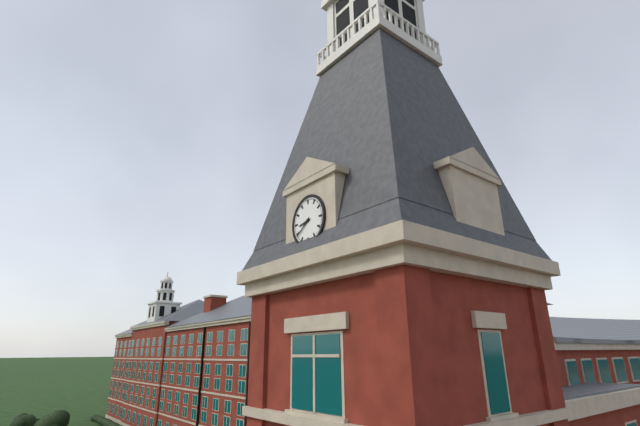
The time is **8:39**
